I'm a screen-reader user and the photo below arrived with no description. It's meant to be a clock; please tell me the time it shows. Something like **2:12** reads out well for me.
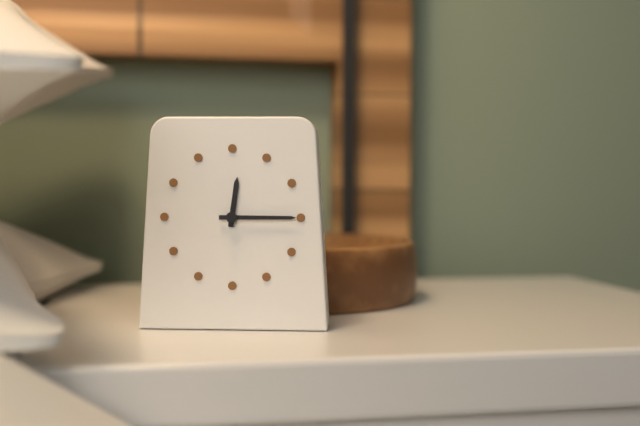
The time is **12:15**
